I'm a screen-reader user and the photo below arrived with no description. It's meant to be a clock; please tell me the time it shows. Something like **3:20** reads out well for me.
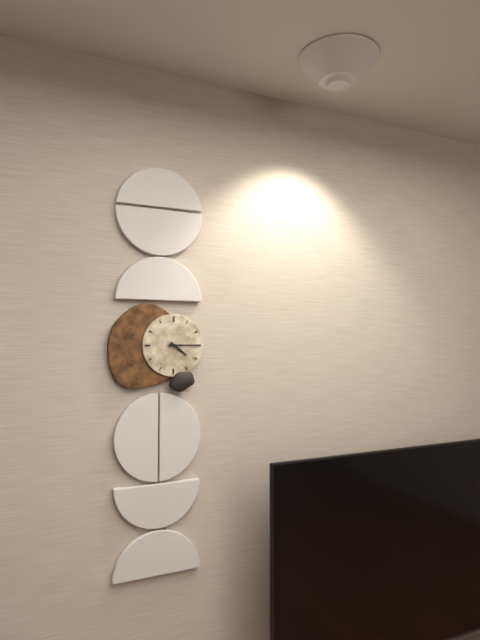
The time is **4:15**
